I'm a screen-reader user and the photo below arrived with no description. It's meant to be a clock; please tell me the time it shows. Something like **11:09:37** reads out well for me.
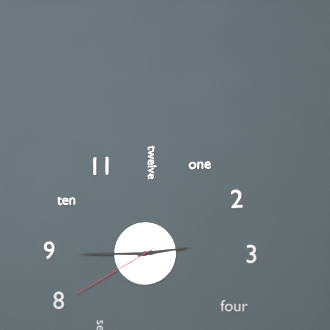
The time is **2:45:40**
